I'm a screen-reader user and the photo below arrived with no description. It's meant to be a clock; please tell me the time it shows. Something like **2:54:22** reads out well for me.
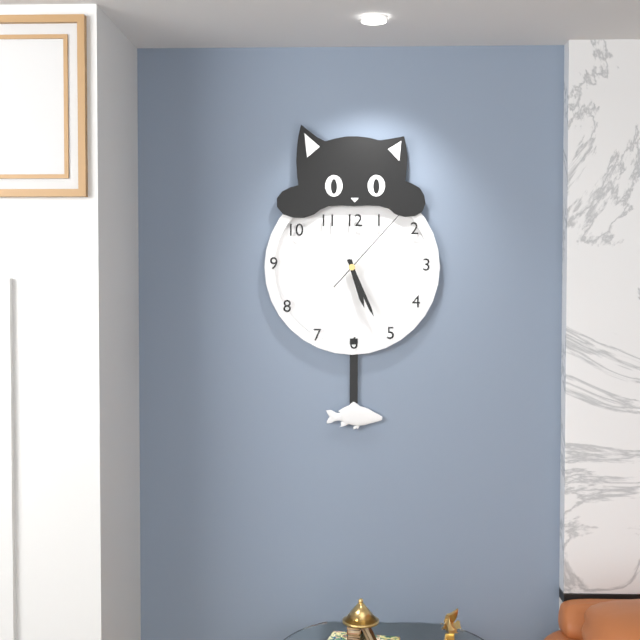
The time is **5:26:07**
